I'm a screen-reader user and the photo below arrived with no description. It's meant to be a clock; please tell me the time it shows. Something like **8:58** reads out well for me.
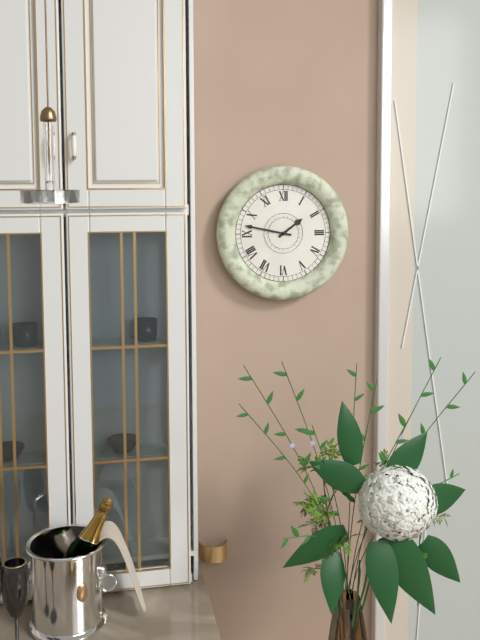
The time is **1:47**
